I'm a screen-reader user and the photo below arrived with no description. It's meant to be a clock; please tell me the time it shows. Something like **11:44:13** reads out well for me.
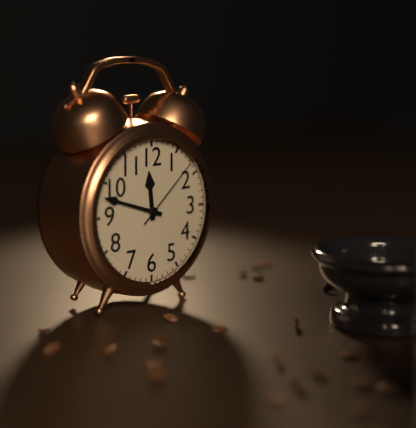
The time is **11:48:08**
